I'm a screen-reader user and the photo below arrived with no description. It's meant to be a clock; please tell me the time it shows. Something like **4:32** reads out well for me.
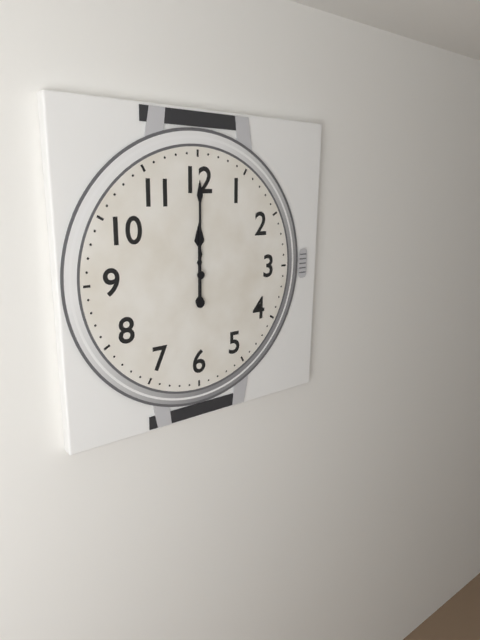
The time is **12:00**
